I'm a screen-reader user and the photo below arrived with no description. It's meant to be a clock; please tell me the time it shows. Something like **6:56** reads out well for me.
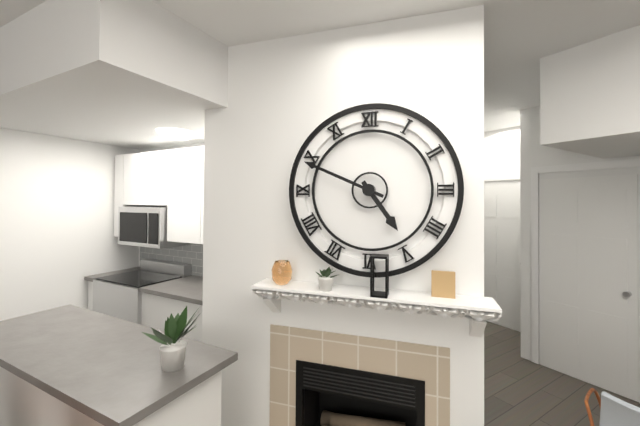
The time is **4:49**
